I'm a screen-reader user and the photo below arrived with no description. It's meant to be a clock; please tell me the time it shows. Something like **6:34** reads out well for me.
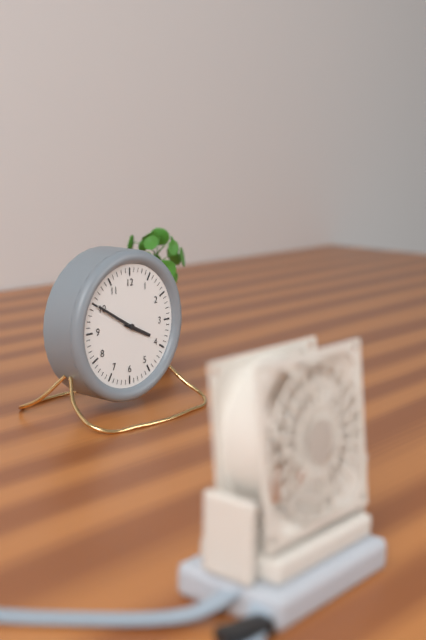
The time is **3:50**
